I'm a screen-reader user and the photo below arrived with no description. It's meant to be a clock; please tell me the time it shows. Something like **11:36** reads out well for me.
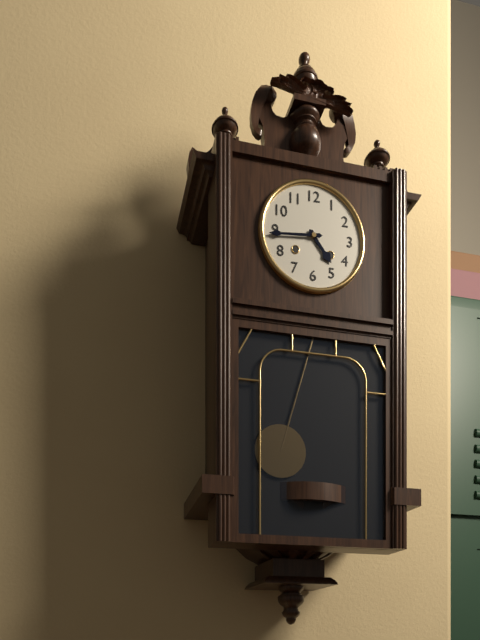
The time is **4:44**
